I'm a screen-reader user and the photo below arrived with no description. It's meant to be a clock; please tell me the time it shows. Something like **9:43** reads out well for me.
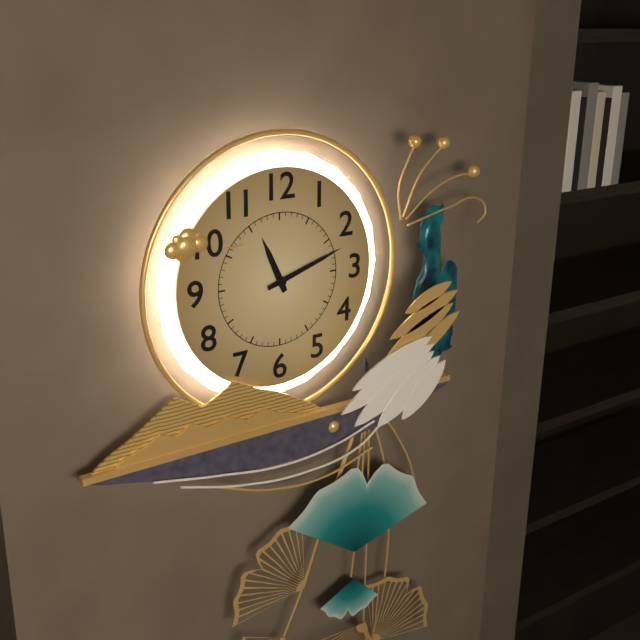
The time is **11:12**
